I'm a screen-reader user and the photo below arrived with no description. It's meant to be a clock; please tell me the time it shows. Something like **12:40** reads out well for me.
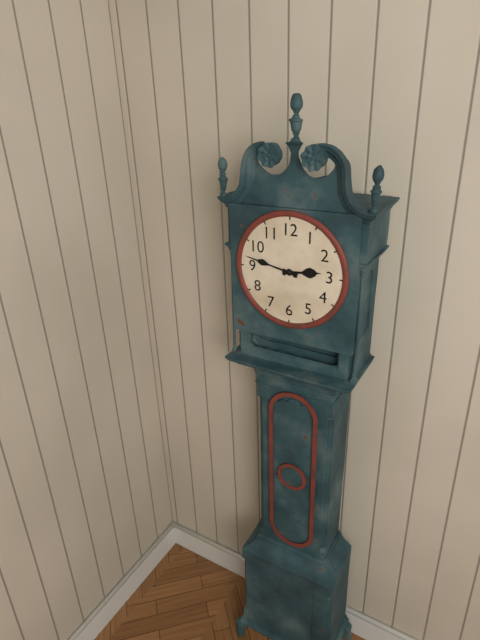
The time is **2:47**
